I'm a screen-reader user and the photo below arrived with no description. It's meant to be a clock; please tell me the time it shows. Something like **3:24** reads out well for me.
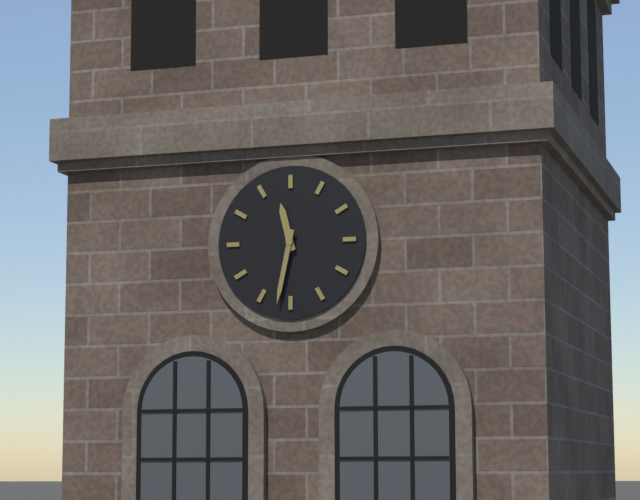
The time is **11:32**
